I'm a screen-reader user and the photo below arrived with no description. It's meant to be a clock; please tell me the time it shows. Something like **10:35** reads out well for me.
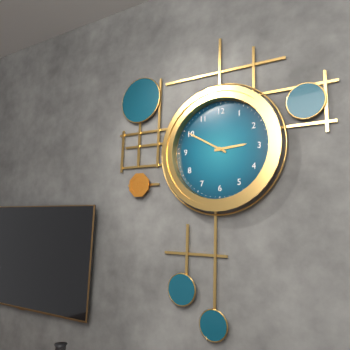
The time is **2:50**
